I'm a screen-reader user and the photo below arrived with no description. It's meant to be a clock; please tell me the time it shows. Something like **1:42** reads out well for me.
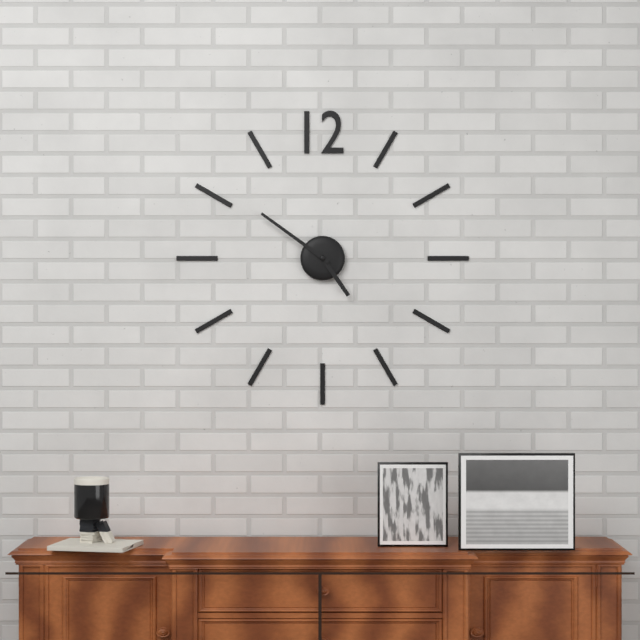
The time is **4:51**
